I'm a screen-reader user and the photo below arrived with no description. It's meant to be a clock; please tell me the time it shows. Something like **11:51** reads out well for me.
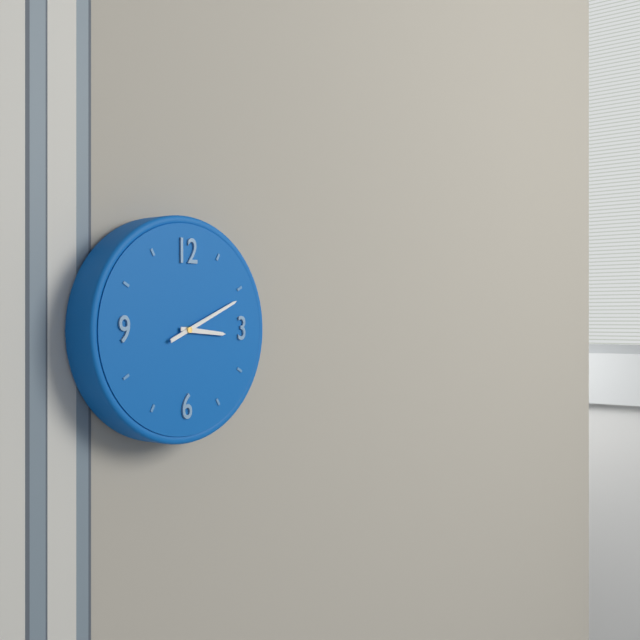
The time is **3:11**
